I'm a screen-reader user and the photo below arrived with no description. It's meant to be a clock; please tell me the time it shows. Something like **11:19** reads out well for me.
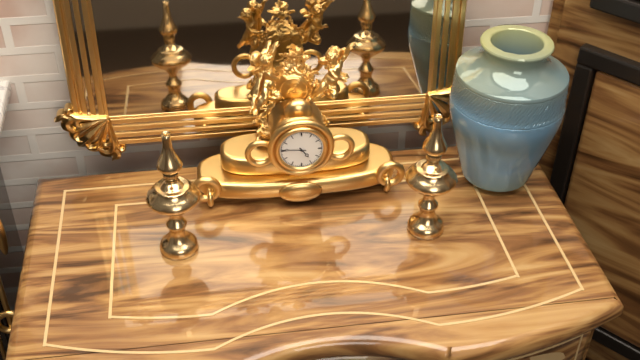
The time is **4:46**
